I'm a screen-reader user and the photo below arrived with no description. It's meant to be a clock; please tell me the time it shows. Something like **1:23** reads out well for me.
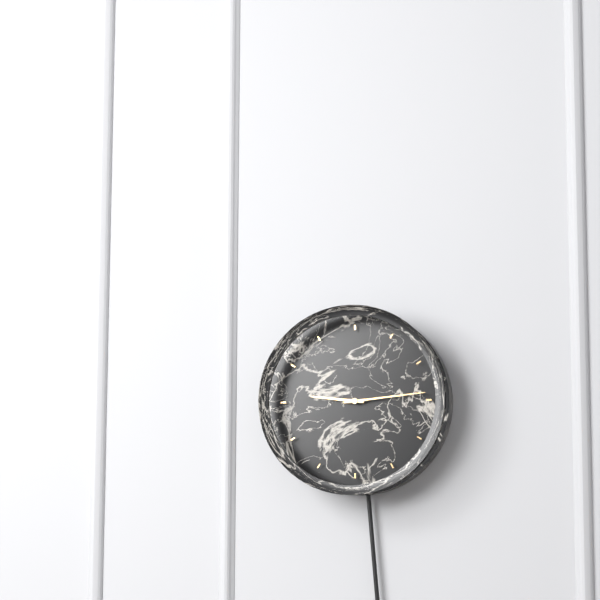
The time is **9:14**
